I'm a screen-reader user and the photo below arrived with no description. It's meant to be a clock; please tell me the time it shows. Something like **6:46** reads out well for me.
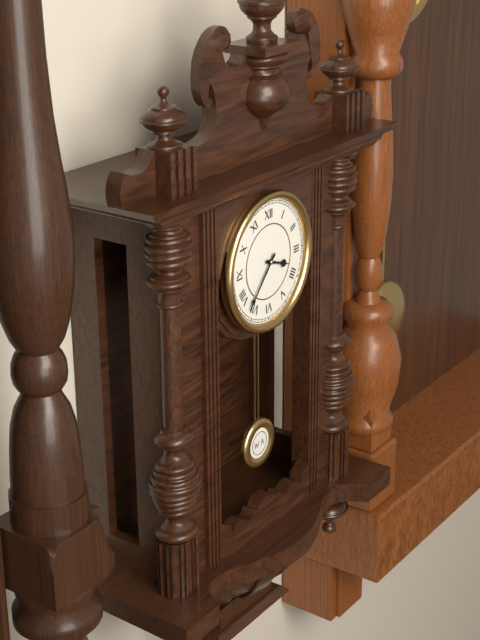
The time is **3:37**
